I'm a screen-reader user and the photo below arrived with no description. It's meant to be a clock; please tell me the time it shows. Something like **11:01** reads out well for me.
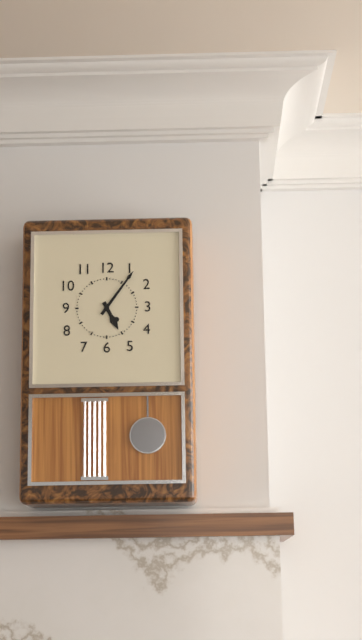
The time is **5:06**
